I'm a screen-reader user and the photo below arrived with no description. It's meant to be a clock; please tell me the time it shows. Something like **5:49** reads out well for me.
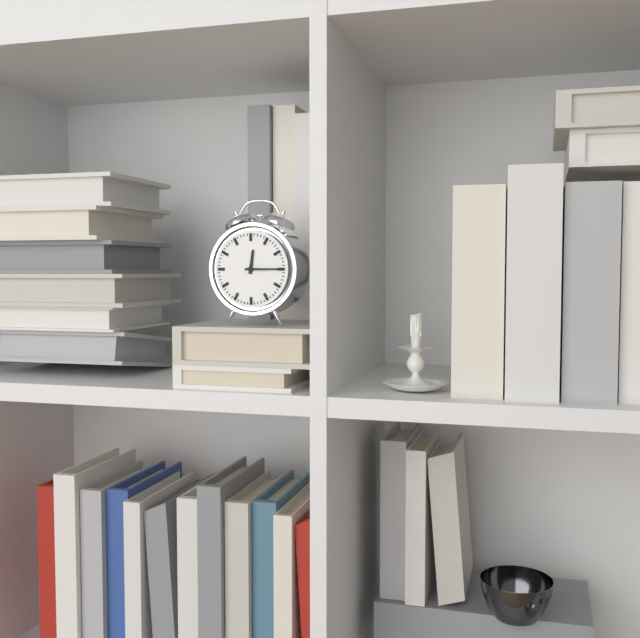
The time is **12:15**
